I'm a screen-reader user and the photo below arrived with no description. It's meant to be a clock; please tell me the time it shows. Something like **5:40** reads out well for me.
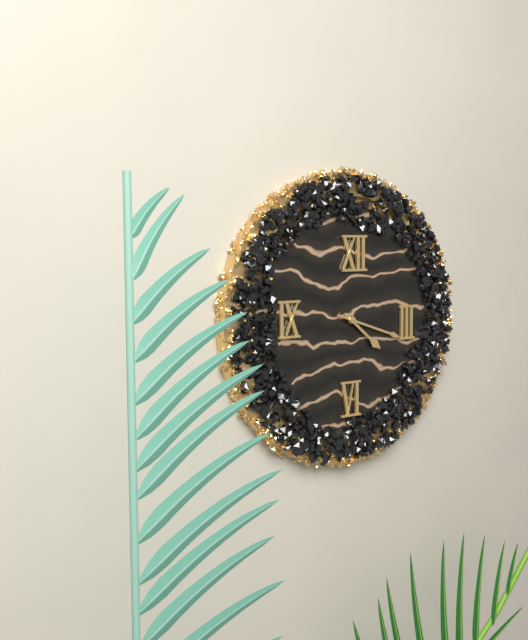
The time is **4:18**
